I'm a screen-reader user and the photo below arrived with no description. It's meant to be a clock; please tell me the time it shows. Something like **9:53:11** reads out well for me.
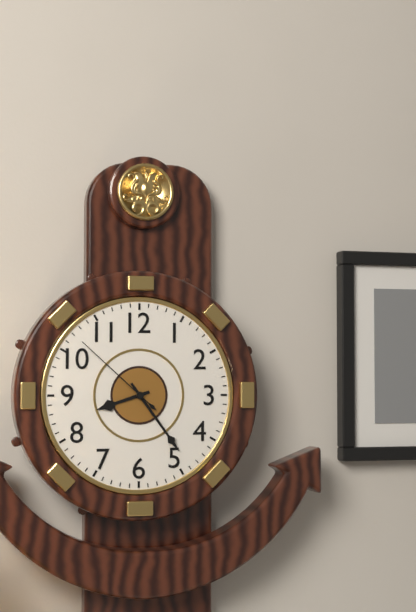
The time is **8:24:52**
